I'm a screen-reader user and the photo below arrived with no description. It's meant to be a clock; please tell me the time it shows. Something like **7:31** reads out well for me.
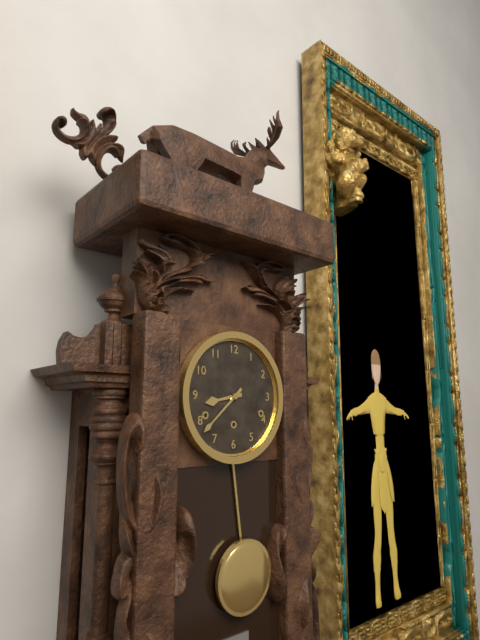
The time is **8:38**
